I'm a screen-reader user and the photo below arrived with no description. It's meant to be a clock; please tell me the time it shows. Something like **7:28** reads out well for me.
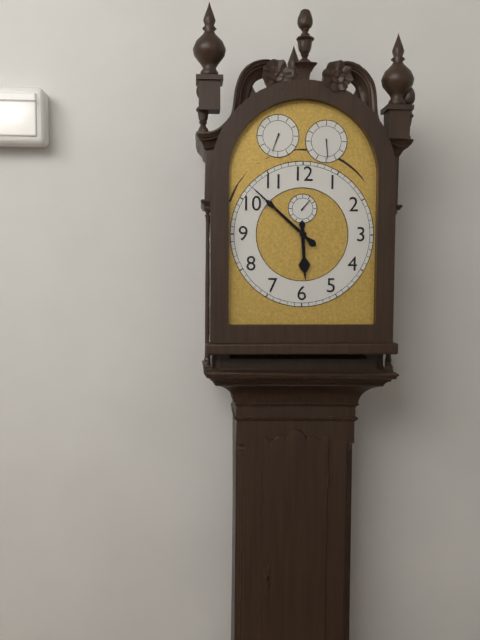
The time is **5:52**
